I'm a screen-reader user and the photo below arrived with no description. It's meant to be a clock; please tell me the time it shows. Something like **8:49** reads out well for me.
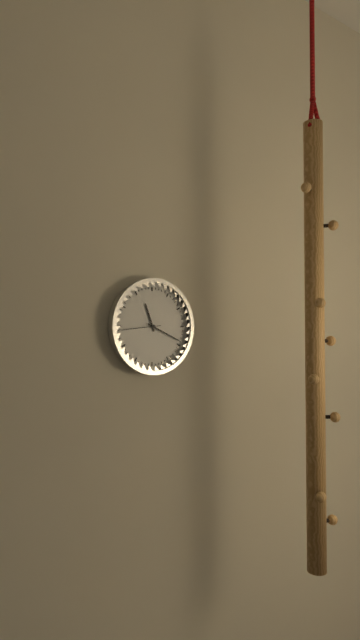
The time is **11:19**
